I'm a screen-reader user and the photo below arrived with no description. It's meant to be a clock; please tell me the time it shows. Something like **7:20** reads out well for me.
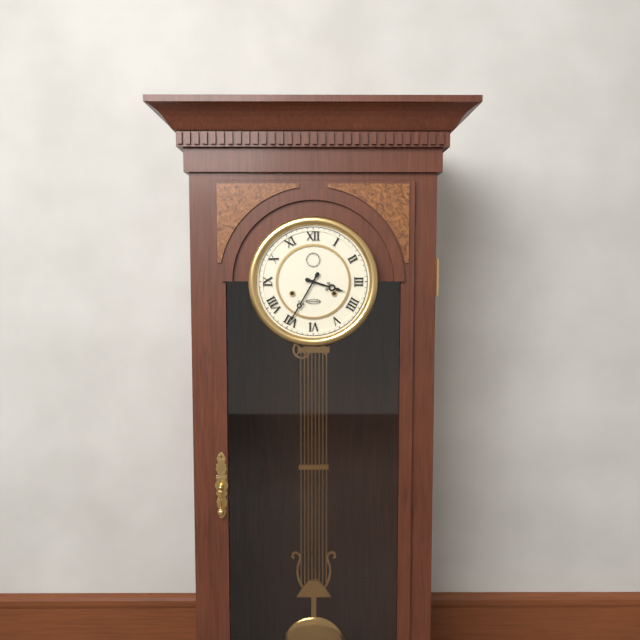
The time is **3:35**
